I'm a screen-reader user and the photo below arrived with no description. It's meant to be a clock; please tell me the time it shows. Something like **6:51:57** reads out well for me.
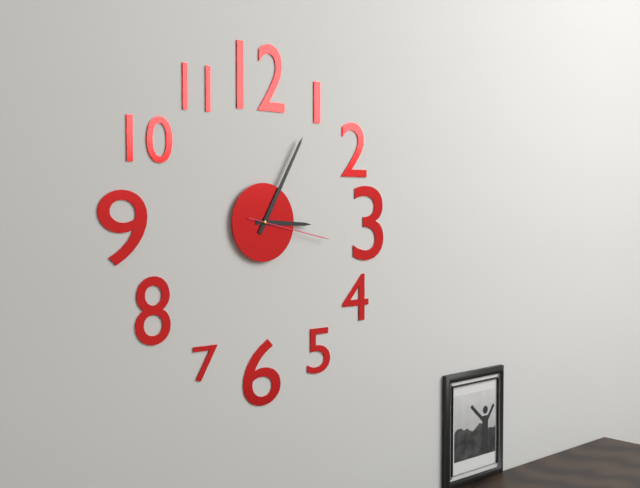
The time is **3:05:17**
